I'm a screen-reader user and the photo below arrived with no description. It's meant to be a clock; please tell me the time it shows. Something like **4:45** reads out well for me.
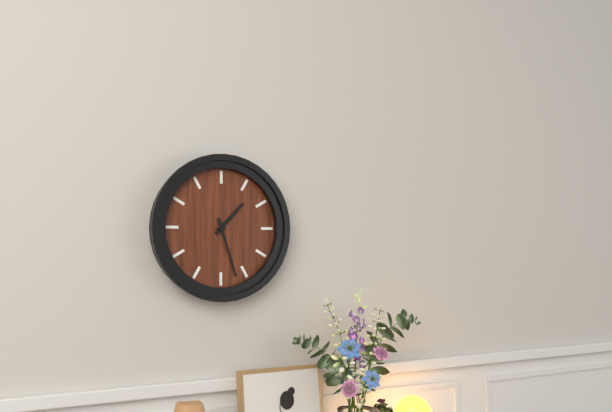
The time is **1:27**
